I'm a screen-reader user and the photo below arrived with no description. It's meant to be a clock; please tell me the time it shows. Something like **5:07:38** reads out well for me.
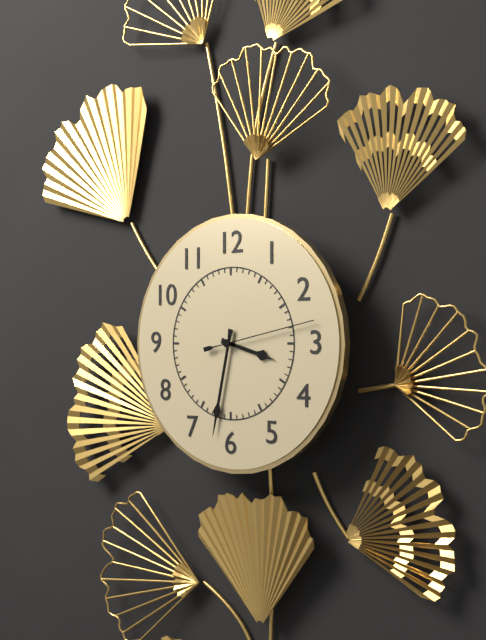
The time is **3:32:13**
